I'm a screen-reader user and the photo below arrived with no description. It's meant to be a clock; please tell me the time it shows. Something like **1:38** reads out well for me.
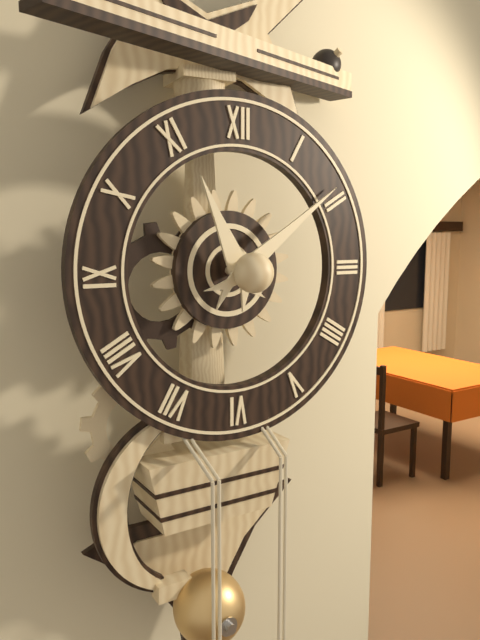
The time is **11:09**
